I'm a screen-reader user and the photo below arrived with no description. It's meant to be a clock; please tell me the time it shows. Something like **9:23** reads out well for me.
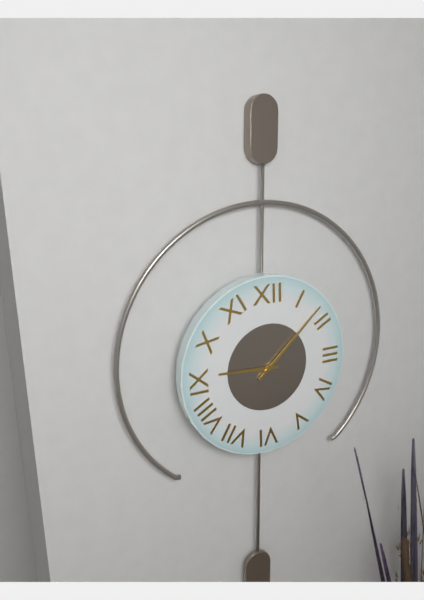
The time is **9:08**
